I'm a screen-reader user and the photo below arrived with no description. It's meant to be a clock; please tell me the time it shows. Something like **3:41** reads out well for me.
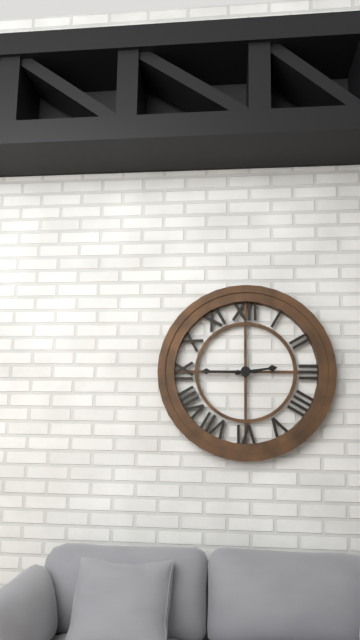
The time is **2:45**
